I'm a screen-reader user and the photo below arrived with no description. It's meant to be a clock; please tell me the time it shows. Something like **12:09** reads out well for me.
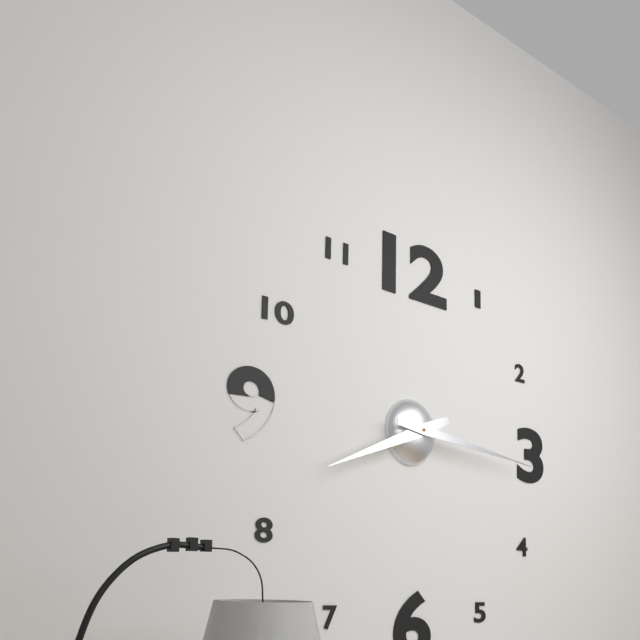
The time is **8:16**
